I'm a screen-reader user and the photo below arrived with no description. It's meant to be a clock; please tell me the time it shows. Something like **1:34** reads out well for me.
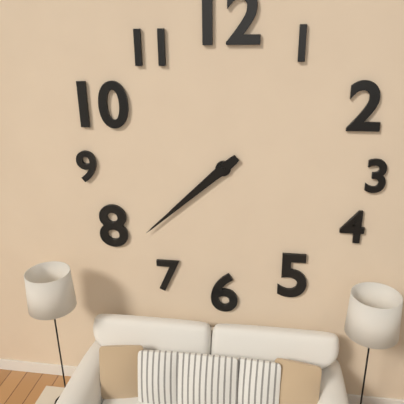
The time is **7:38**
